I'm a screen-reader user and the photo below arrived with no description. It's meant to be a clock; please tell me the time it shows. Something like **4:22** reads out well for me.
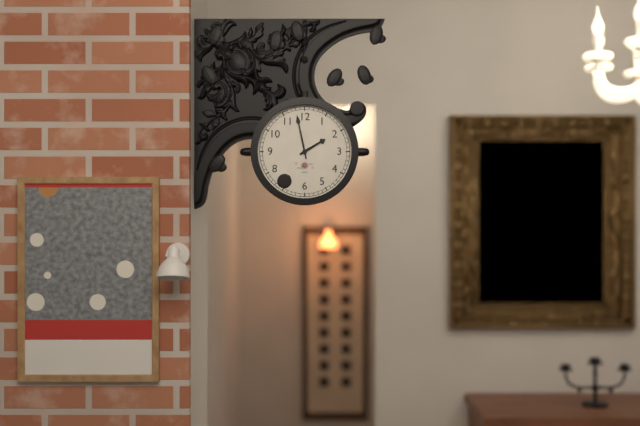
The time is **1:58**
